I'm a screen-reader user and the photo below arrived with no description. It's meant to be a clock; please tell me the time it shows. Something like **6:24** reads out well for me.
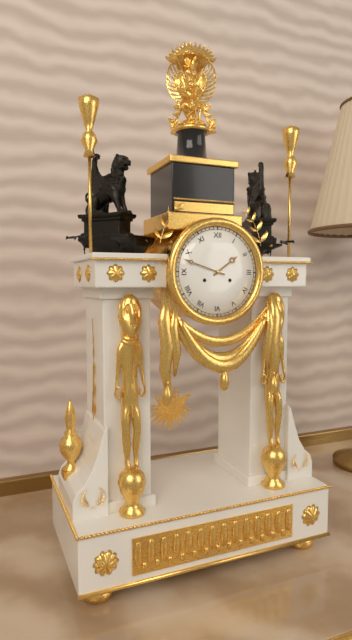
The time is **1:48**
